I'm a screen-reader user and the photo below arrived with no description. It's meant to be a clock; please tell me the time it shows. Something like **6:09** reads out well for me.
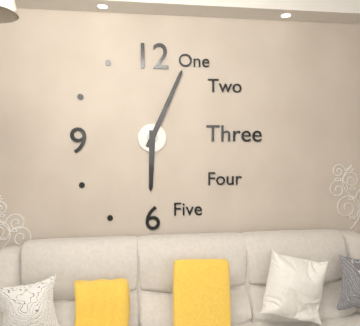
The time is **6:04**
